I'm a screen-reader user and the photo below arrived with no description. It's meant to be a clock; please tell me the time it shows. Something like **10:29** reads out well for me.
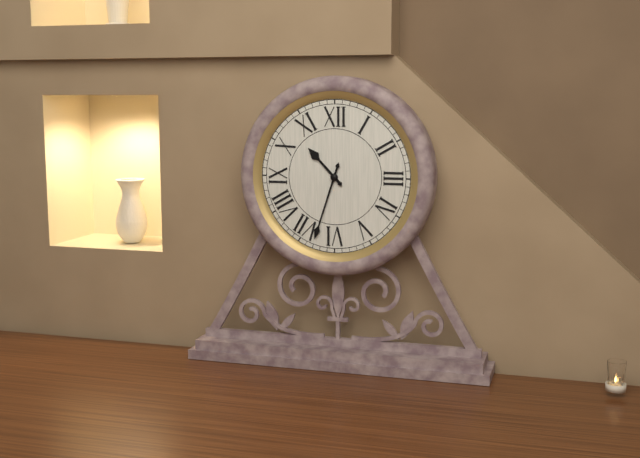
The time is **10:33**
